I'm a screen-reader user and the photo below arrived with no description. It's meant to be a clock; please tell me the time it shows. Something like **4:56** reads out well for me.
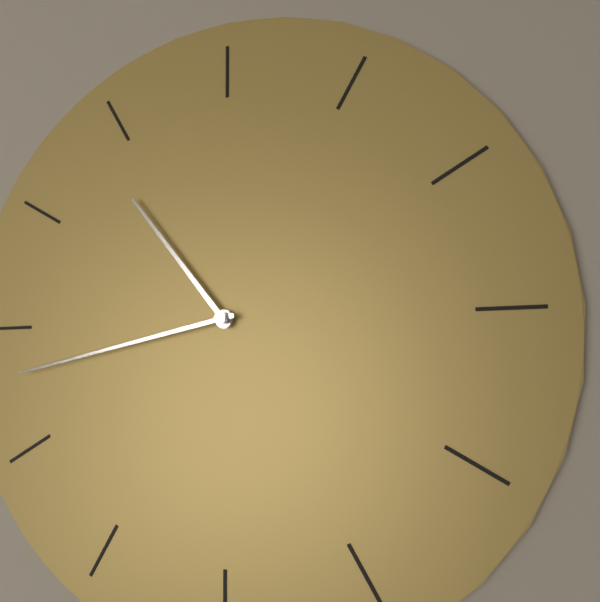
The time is **10:43**
